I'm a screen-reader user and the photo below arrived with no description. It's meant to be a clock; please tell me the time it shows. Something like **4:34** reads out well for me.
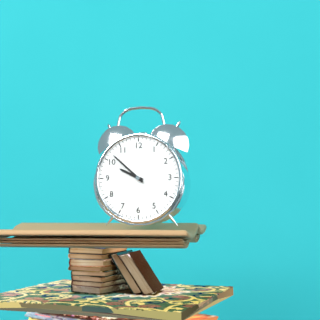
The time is **9:52**
